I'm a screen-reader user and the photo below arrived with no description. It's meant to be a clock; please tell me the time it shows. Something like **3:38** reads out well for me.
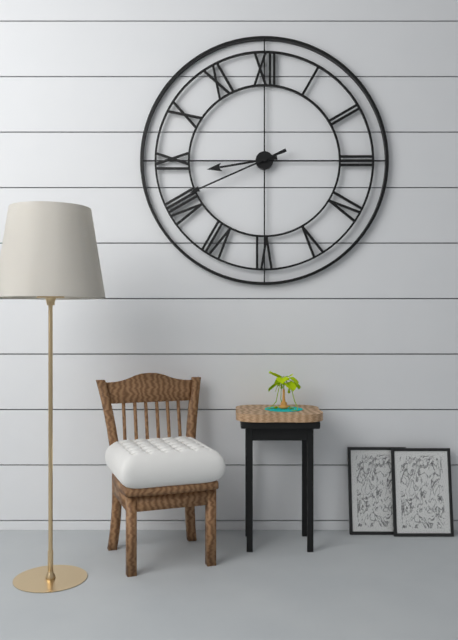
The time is **8:41**
